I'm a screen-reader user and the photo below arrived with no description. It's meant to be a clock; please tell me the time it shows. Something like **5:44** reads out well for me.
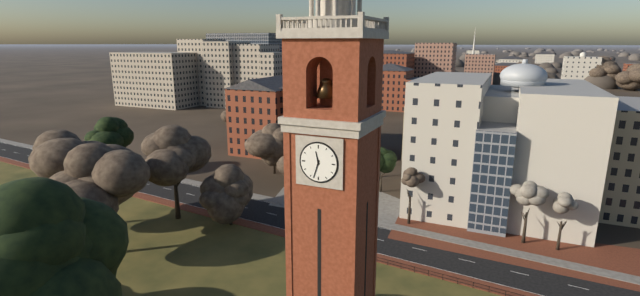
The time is **11:33**
